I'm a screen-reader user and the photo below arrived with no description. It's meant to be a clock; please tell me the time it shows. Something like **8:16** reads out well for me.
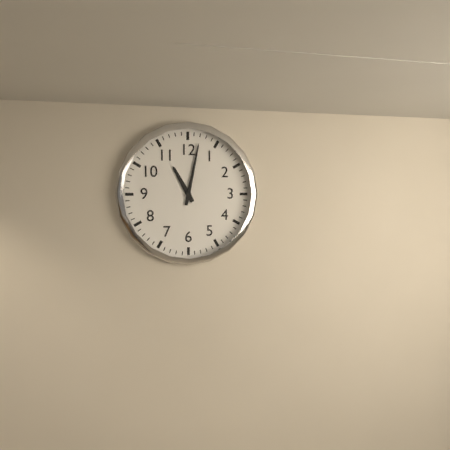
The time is **11:02**
